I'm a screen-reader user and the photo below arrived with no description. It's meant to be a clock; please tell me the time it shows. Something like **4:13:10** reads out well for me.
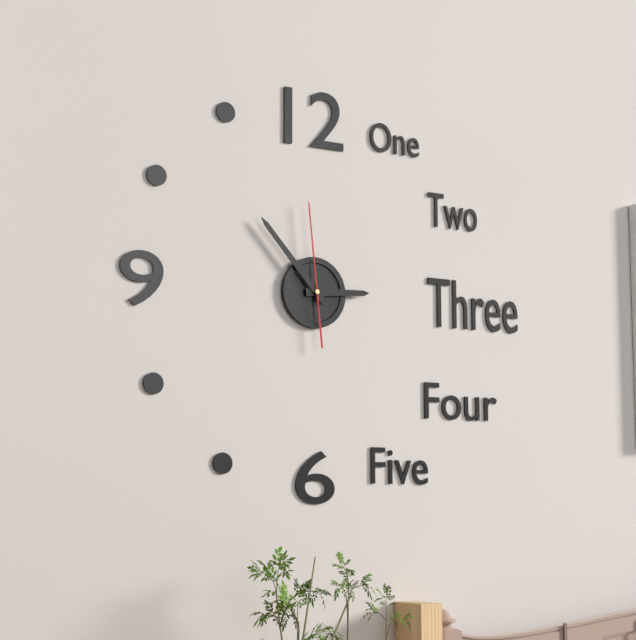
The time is **2:53:59**
